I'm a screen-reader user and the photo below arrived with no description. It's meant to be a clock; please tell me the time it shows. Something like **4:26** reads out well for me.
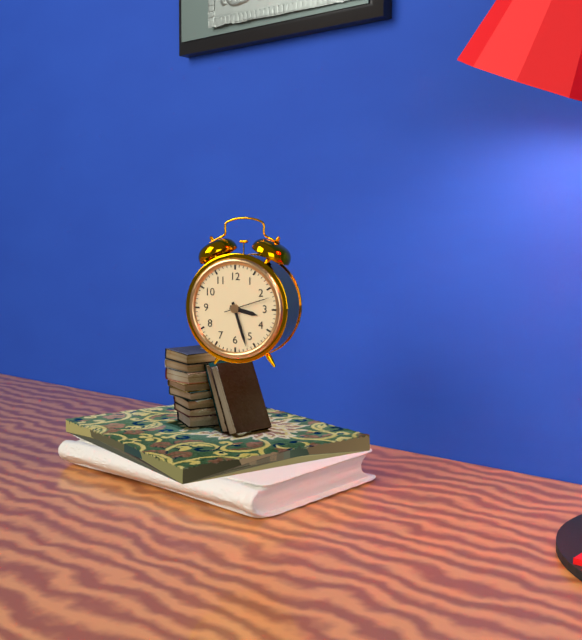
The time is **3:27**
